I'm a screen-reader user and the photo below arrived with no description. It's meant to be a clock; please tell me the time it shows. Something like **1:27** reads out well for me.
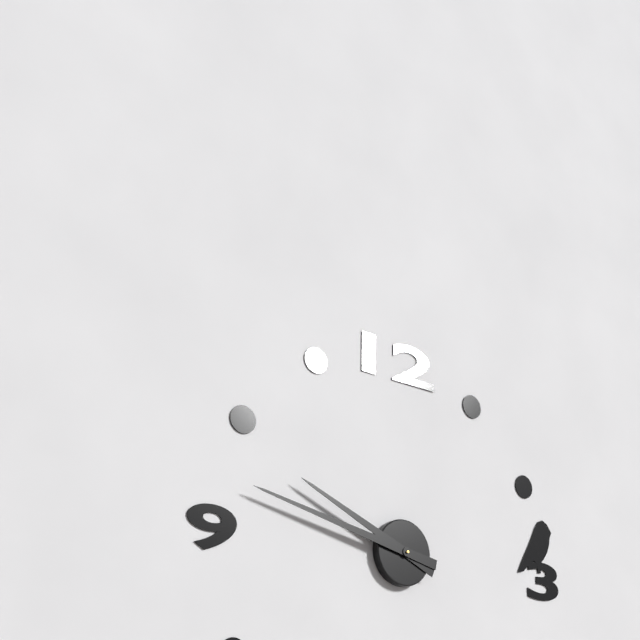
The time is **9:47**
